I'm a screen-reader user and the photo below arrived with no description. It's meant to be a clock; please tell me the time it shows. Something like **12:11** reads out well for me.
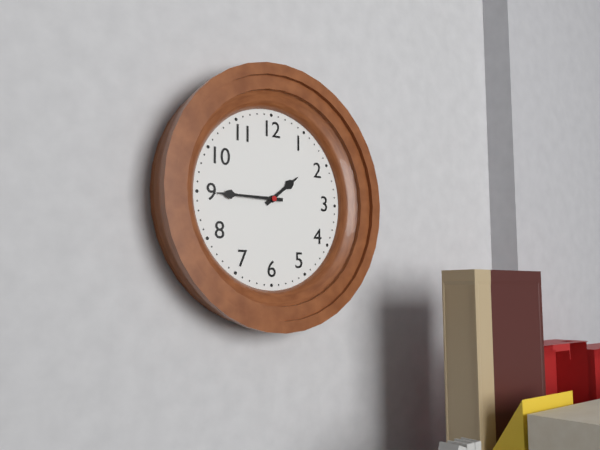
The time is **1:45**
